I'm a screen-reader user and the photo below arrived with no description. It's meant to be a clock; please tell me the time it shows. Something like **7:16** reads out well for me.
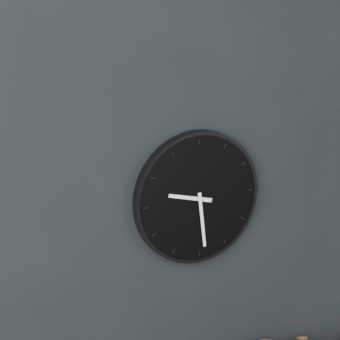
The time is **9:29**
